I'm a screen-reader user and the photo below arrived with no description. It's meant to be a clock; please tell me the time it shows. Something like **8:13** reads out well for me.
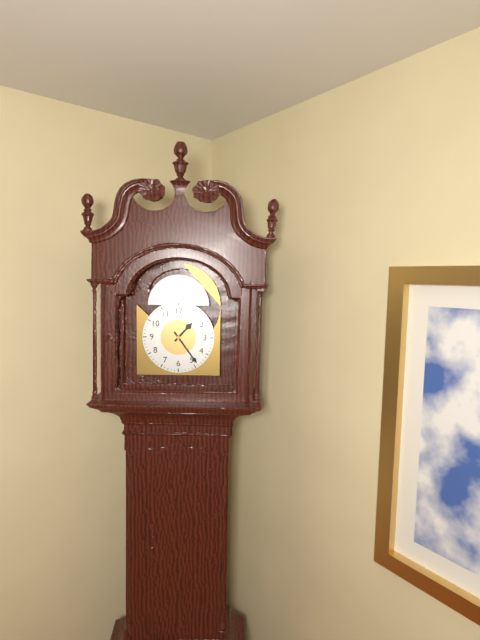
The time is **1:24**
